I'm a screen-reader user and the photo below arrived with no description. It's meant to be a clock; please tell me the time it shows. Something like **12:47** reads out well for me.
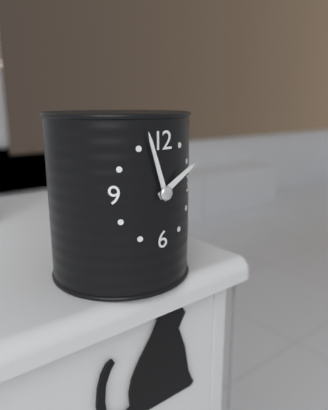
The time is **1:57**
